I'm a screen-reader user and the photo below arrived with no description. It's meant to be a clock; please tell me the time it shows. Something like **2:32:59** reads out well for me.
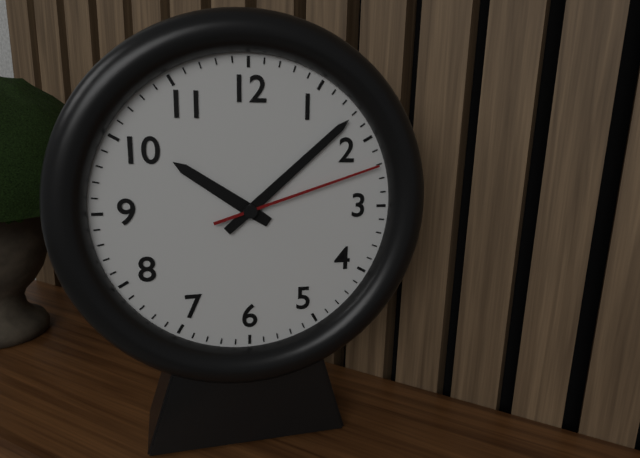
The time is **10:08:12**
